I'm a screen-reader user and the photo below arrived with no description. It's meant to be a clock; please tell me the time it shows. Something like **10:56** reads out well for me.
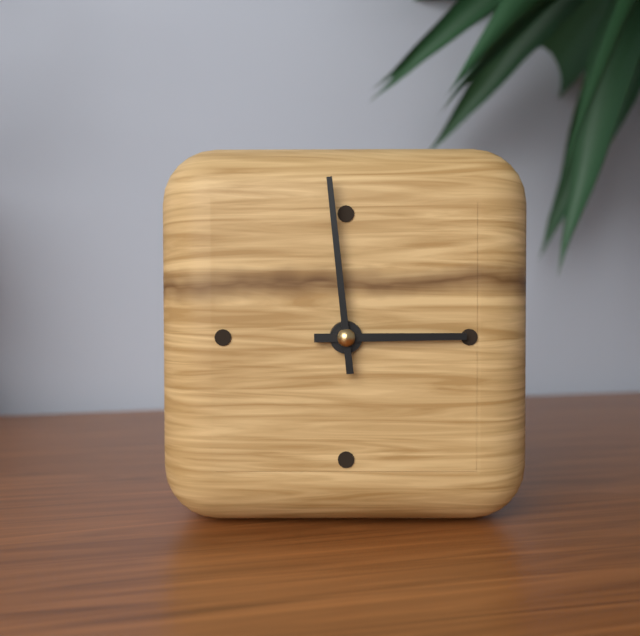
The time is **2:59**
